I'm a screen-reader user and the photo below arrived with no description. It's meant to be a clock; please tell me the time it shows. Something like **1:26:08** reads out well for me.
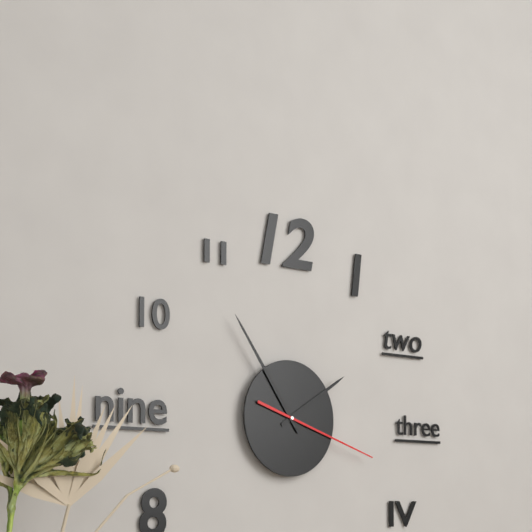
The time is **1:54:18**
